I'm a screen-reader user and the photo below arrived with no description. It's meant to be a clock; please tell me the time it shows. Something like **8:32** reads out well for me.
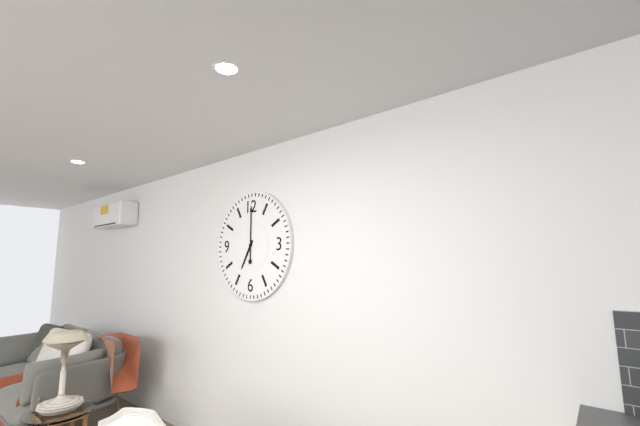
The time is **7:00**
